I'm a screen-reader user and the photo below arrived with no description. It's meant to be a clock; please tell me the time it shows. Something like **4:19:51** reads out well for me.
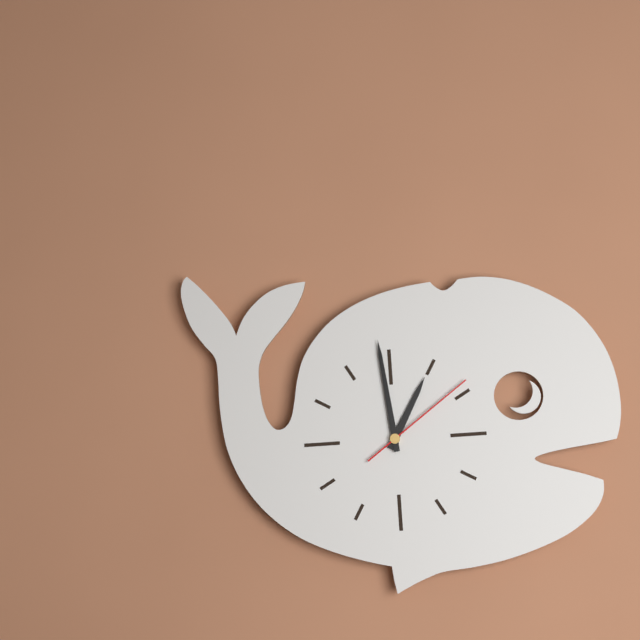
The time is **12:59:09**
